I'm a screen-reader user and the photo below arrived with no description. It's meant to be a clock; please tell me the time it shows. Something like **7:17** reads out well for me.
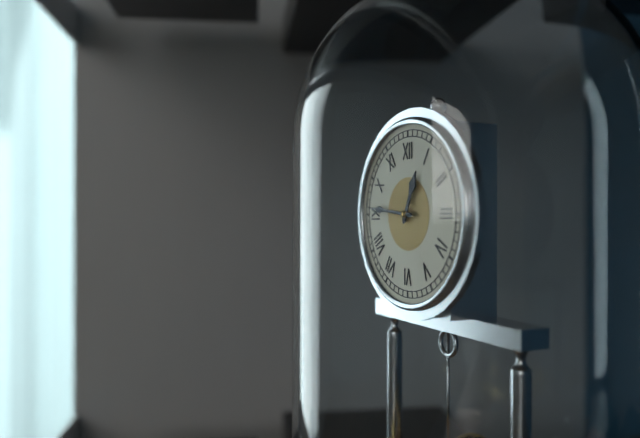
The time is **12:46**
